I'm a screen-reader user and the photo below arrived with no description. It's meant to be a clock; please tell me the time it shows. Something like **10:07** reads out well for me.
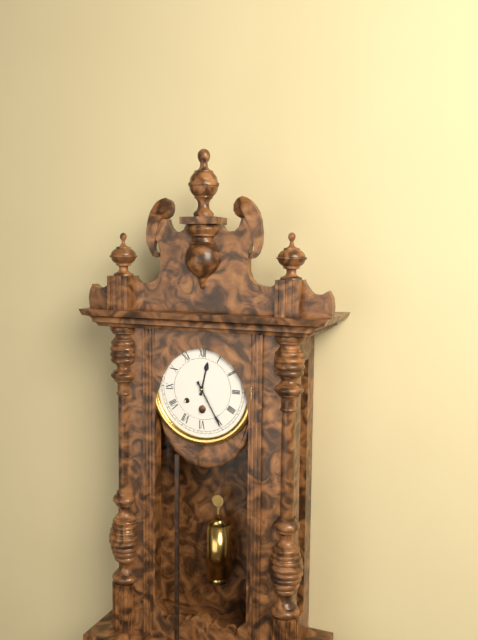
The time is **12:25**
